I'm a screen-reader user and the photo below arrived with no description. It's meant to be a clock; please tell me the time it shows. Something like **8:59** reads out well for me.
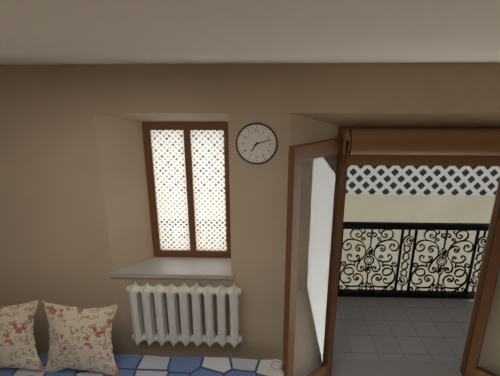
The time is **7:12**
